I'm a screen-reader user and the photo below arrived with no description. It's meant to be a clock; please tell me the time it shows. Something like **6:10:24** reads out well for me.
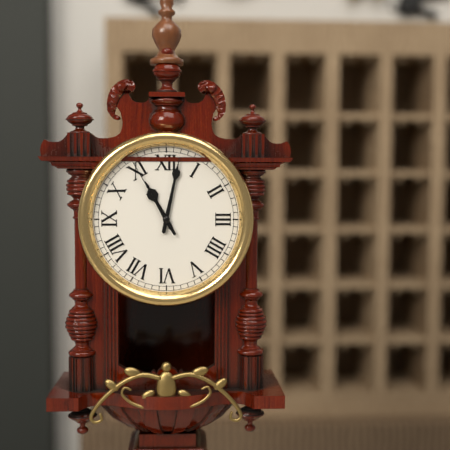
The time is **11:02:55**
